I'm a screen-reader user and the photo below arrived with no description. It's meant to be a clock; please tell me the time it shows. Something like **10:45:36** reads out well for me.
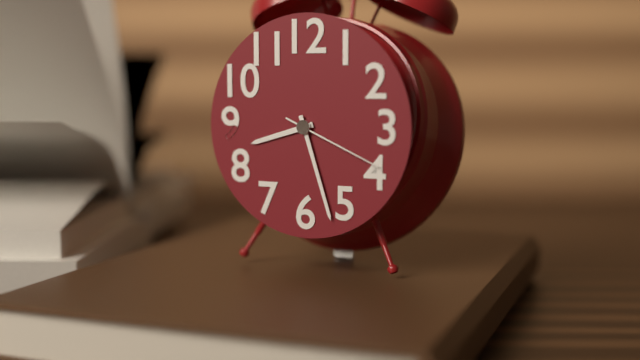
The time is **8:27:19**
